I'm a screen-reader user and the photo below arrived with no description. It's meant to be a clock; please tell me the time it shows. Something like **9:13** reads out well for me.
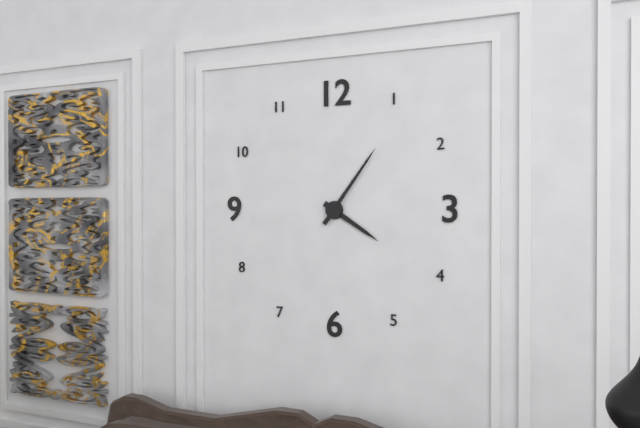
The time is **4:06**
